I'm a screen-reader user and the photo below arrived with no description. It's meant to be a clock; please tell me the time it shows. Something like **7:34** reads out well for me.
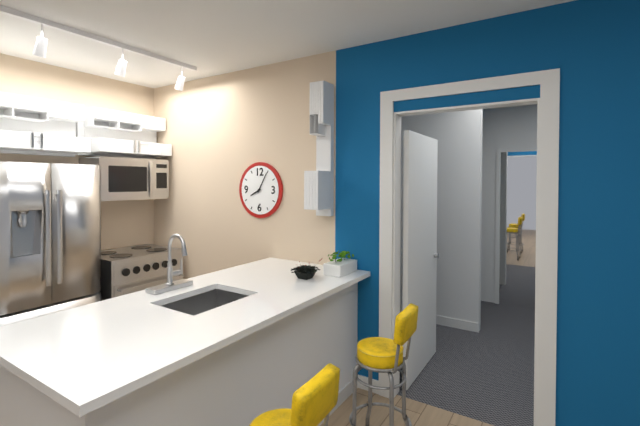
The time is **8:05**
